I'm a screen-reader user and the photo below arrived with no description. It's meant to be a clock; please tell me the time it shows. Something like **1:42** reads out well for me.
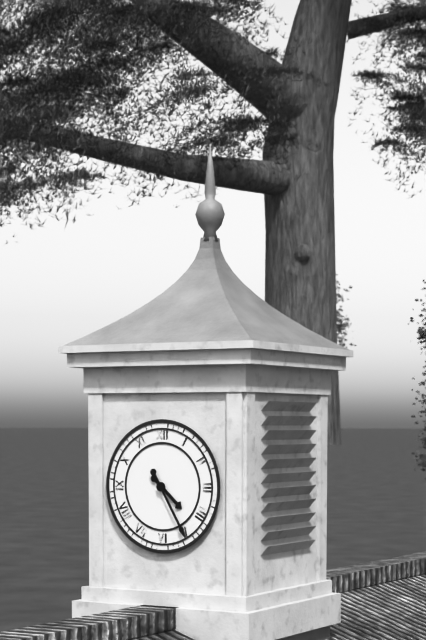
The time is **4:25**
